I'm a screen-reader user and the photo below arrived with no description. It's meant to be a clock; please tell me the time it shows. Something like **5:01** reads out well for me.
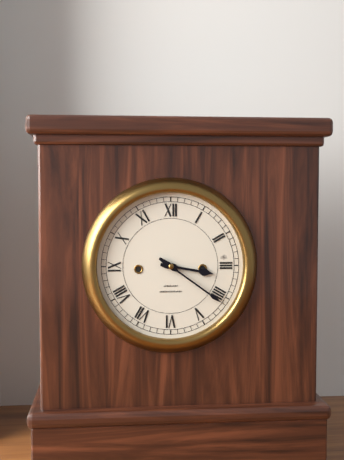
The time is **3:21**
